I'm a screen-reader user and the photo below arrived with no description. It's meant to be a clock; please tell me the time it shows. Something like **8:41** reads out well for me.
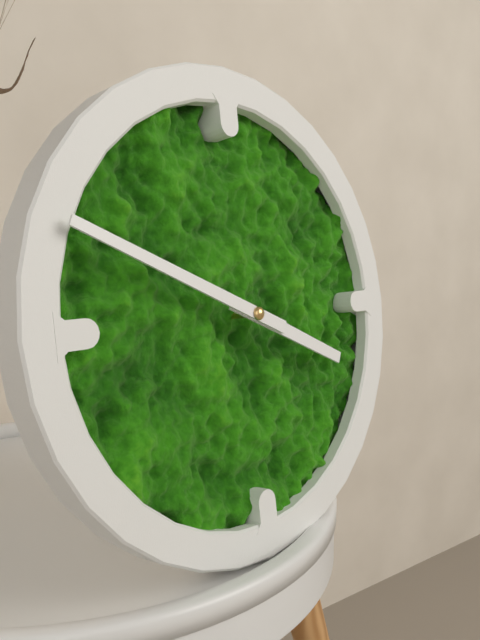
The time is **3:49**
